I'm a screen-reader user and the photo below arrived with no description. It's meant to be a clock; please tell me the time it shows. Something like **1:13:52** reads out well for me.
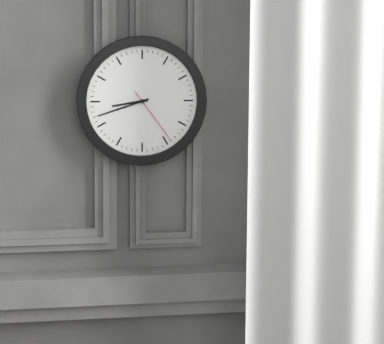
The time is **8:42:24**
